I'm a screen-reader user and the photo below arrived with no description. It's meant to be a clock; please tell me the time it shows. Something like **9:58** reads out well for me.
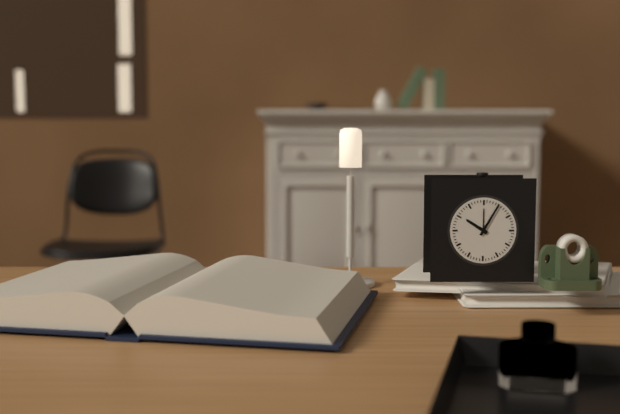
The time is **10:05**
